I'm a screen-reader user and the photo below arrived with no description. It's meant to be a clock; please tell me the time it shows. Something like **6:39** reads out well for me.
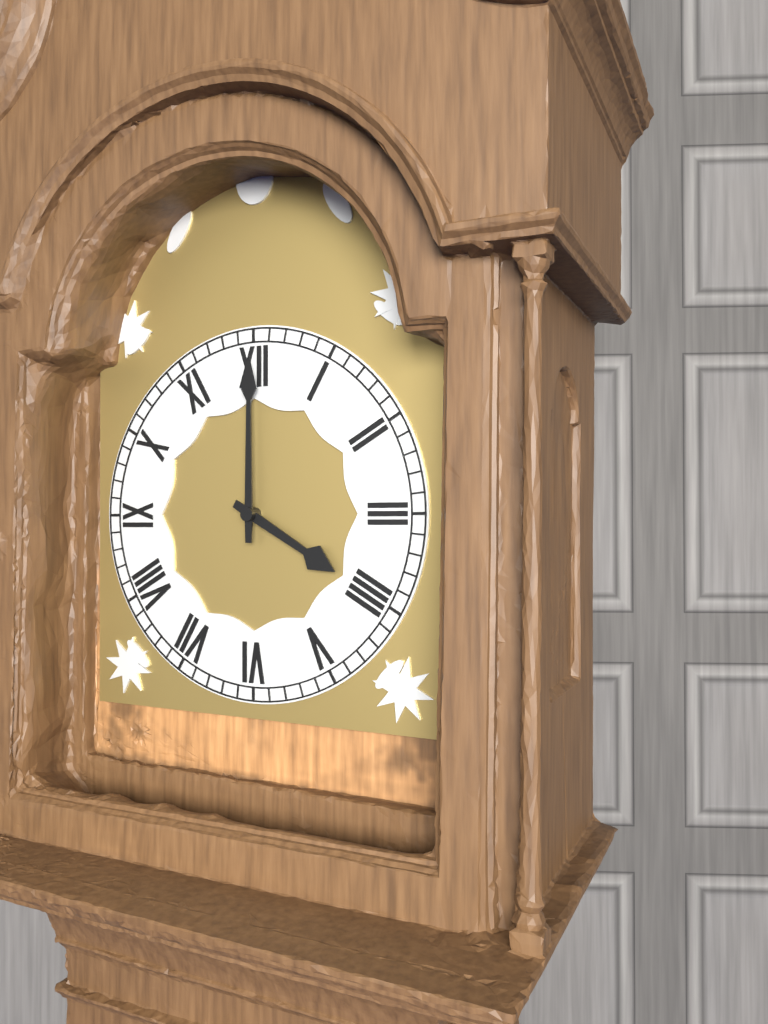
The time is **4:00**
